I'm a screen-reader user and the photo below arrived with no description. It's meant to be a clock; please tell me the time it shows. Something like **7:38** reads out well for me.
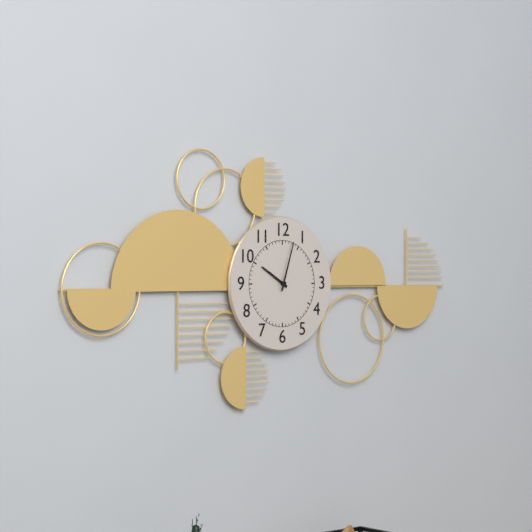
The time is **10:03**
